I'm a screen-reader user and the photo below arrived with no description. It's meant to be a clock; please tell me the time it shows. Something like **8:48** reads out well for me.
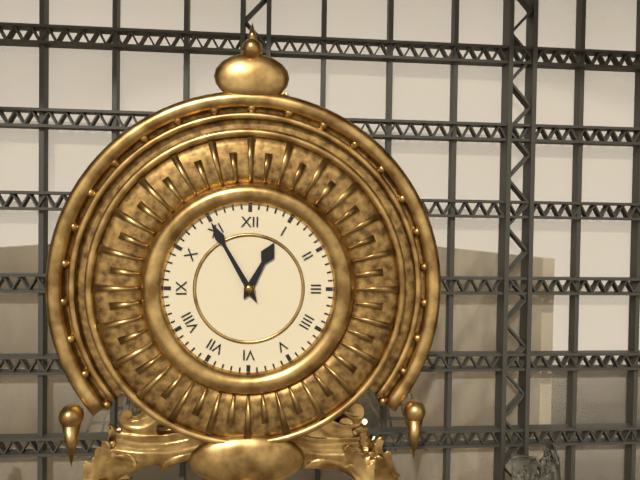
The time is **12:55**
